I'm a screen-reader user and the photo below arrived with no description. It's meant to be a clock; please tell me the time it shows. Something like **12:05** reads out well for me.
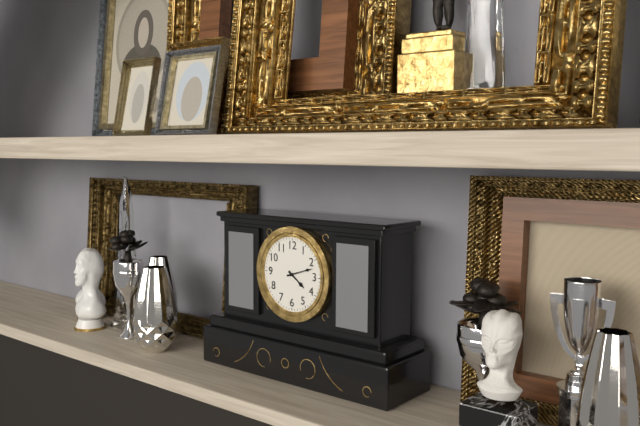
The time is **4:12**
